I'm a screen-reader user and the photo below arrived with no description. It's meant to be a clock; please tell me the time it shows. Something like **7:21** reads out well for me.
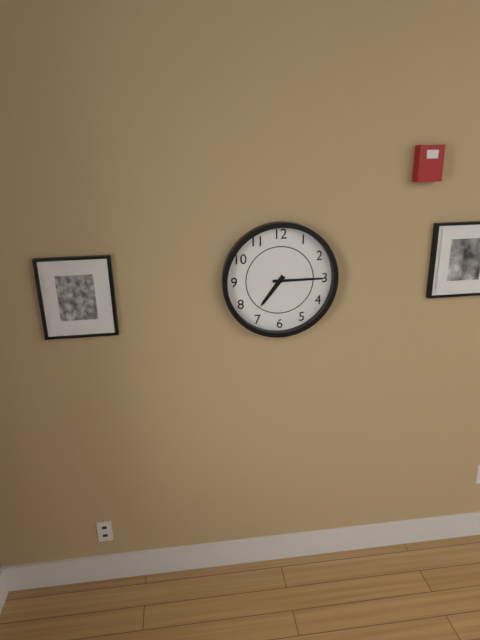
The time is **7:15**
